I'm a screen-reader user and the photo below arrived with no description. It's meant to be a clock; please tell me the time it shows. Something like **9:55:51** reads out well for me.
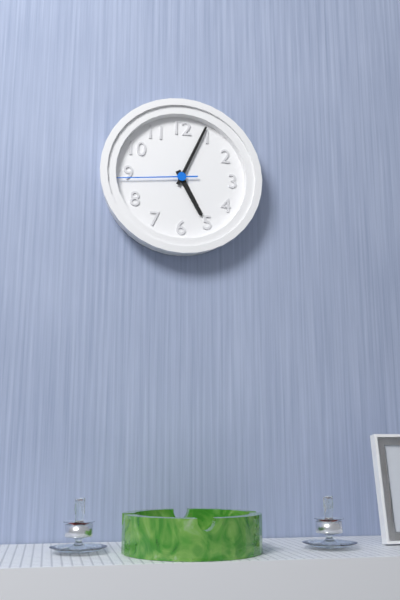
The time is **5:04:44**
